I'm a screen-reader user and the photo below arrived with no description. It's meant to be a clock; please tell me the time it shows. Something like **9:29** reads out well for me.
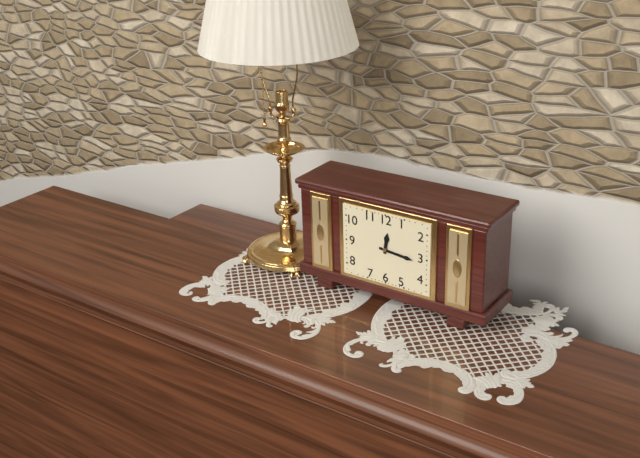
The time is **12:16**
